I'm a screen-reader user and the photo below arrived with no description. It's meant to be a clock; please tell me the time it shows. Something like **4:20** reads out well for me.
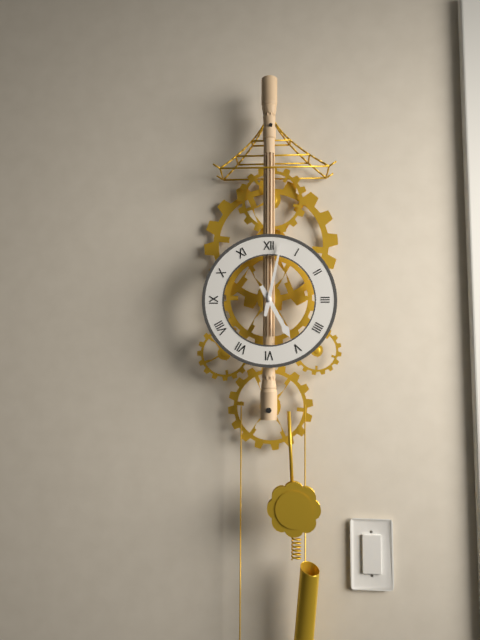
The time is **5:02**
